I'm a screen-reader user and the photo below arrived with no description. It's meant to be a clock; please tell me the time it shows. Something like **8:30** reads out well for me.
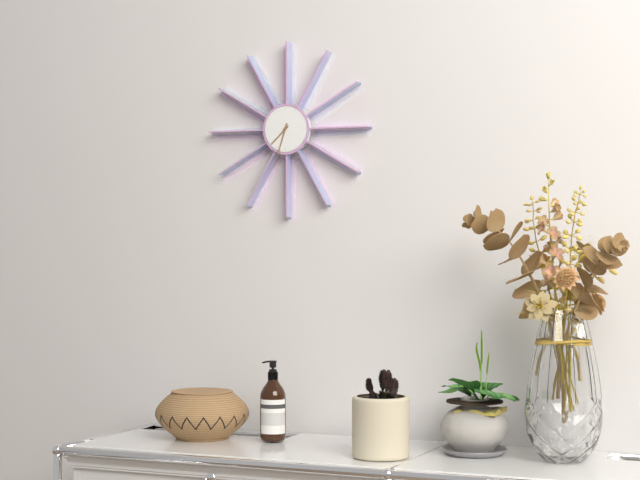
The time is **7:33**
